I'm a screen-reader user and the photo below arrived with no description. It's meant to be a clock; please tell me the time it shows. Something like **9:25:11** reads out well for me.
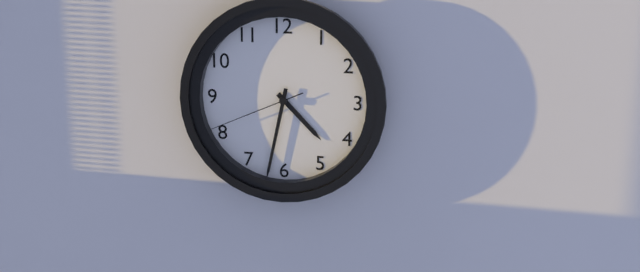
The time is **4:32:41**
